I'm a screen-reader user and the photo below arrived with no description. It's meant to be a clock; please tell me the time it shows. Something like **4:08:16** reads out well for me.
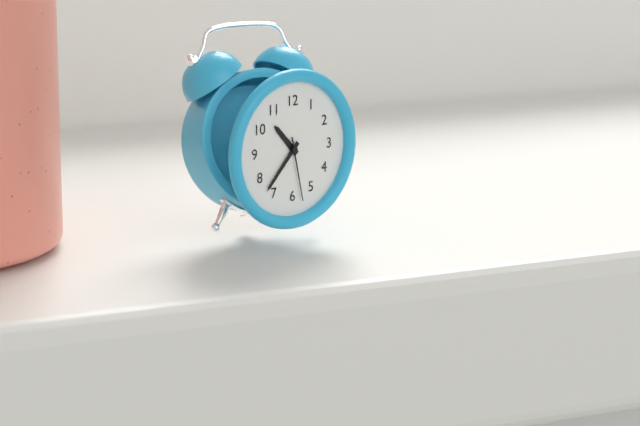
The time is **10:37:28**
